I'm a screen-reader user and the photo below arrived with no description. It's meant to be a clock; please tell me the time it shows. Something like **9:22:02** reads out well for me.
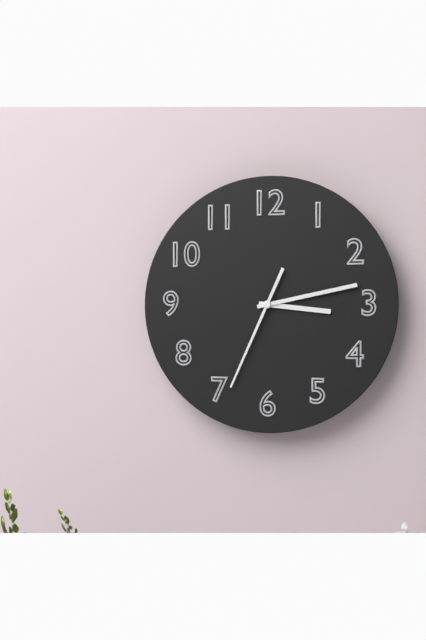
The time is **3:13:34**
